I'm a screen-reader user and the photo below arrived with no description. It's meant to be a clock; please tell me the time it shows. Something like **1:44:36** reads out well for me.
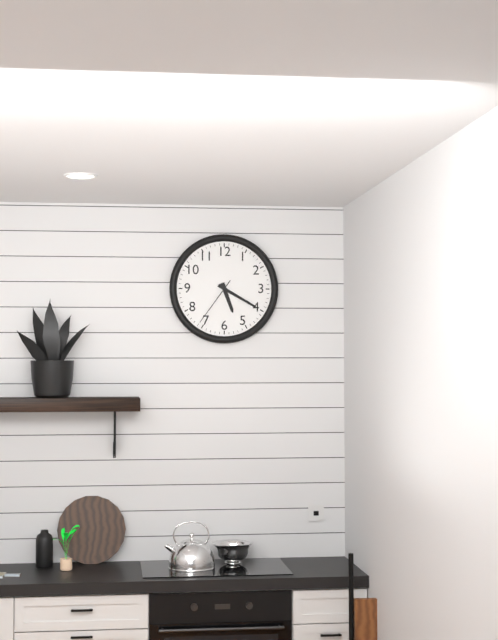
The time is **5:20:36**
